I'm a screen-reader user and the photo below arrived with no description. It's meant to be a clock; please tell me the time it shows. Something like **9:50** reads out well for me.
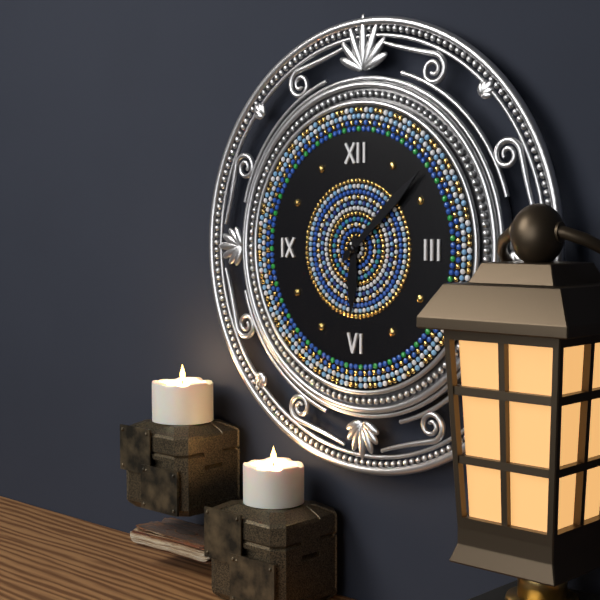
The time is **6:08**
